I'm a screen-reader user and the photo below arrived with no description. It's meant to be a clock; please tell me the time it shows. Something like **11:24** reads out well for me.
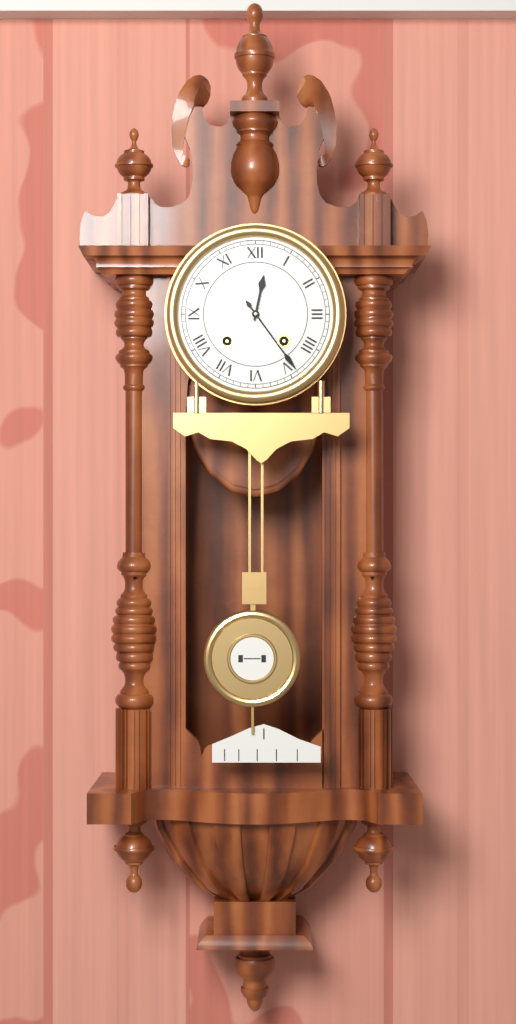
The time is **12:24**
